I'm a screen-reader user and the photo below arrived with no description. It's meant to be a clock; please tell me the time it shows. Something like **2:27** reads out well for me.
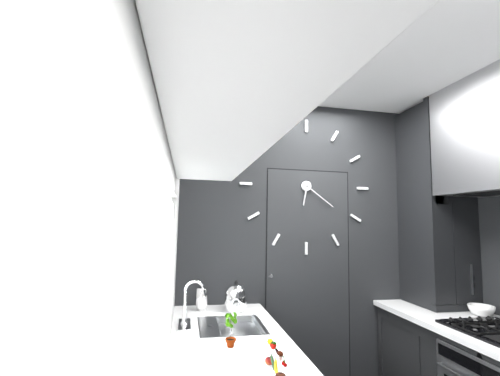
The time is **6:21**
